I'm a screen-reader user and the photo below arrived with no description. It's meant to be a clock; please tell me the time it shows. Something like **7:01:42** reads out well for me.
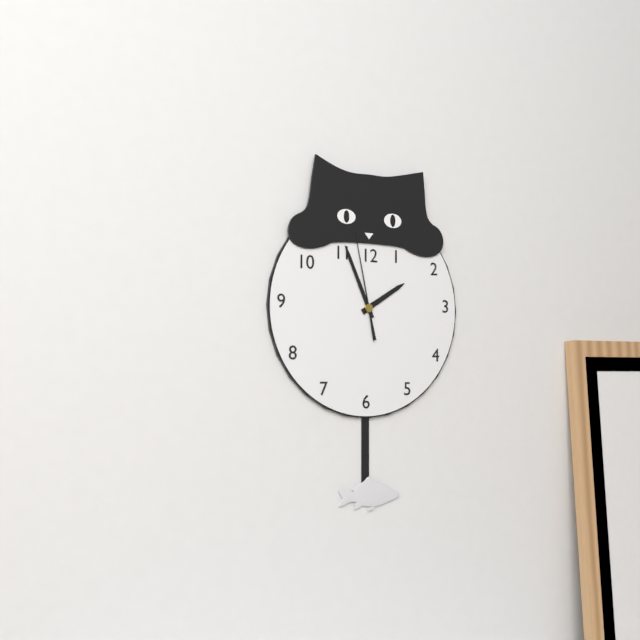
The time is **1:56:58**
